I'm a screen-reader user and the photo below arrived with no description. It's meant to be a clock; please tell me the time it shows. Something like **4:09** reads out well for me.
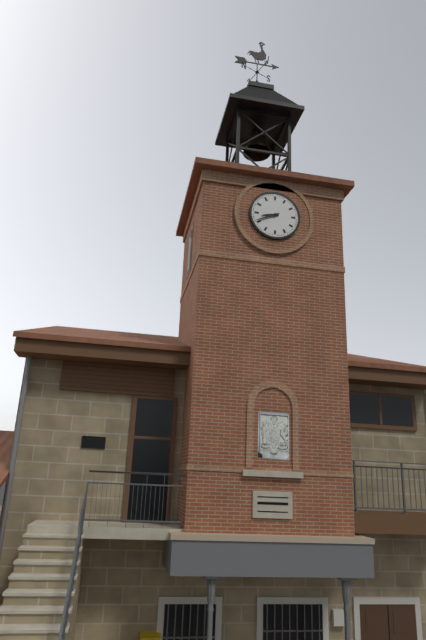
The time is **8:41**
